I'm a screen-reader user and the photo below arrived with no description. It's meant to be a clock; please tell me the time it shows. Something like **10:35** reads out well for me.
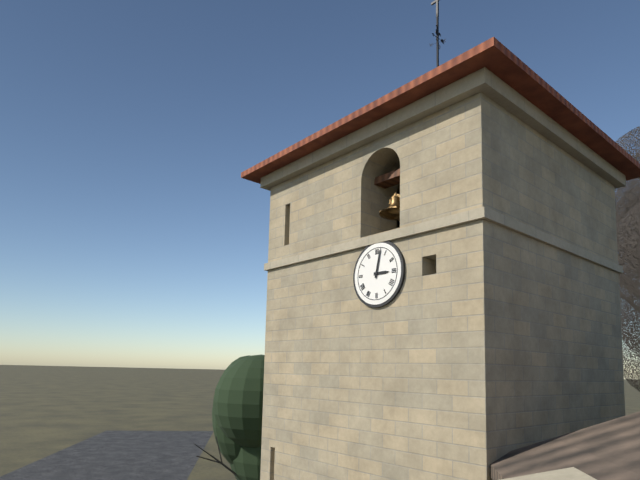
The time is **3:02**
